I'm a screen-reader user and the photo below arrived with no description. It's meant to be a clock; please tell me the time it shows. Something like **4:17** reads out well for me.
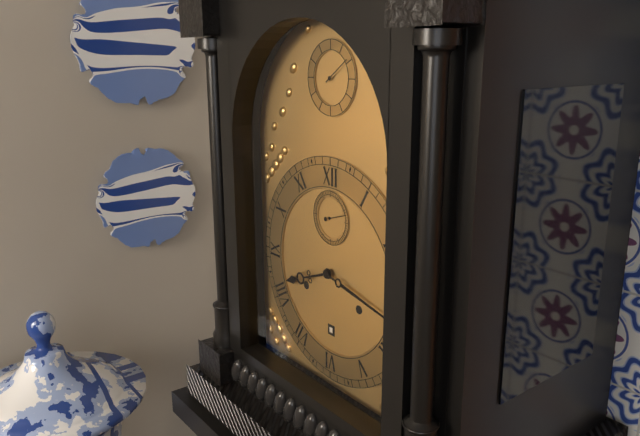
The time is **8:17**
